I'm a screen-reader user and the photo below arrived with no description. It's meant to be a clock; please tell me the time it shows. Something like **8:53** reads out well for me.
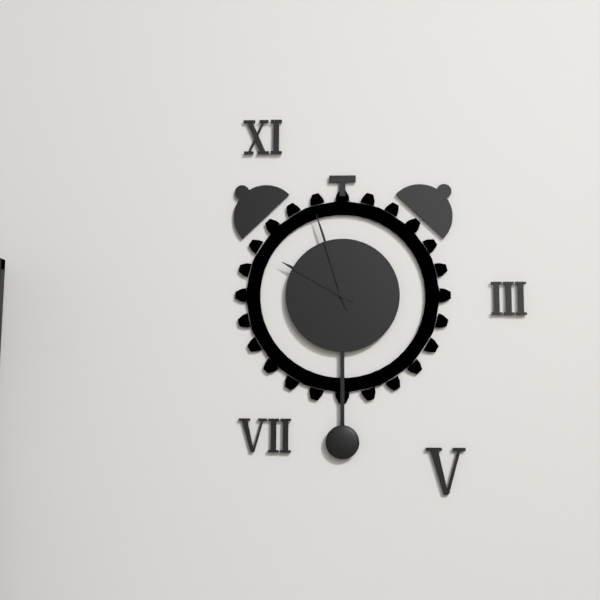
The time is **9:57**
